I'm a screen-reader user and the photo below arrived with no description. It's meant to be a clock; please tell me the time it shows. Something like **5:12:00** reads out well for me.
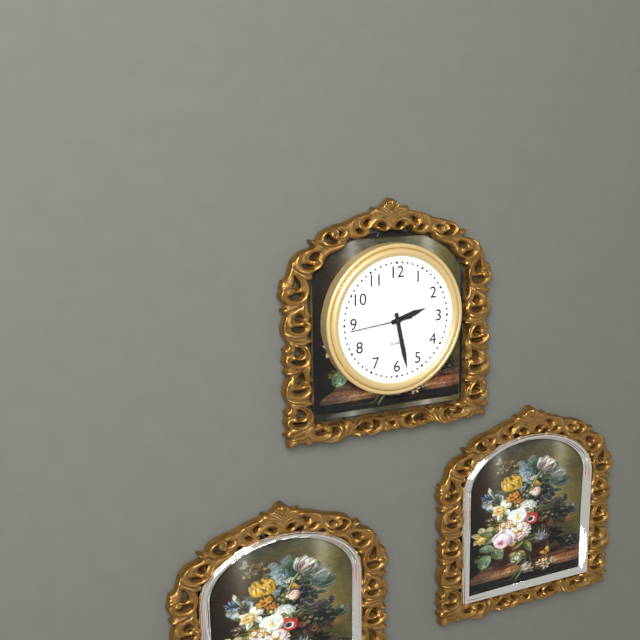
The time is **2:28:44**
